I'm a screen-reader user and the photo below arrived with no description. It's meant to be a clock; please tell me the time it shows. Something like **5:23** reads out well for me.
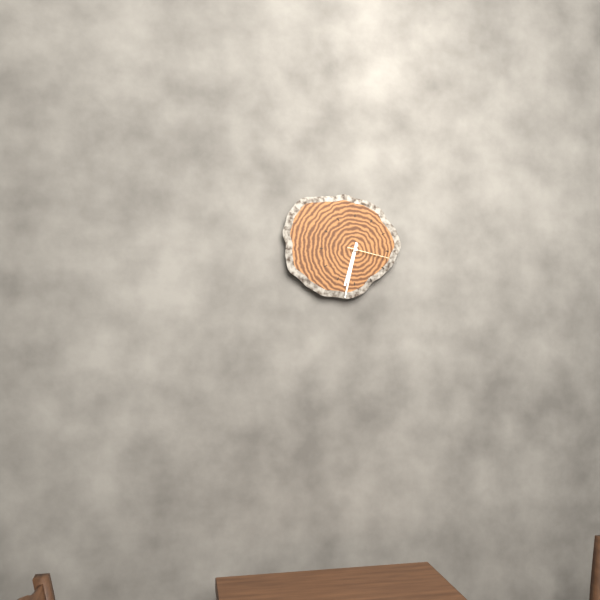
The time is **6:32**
